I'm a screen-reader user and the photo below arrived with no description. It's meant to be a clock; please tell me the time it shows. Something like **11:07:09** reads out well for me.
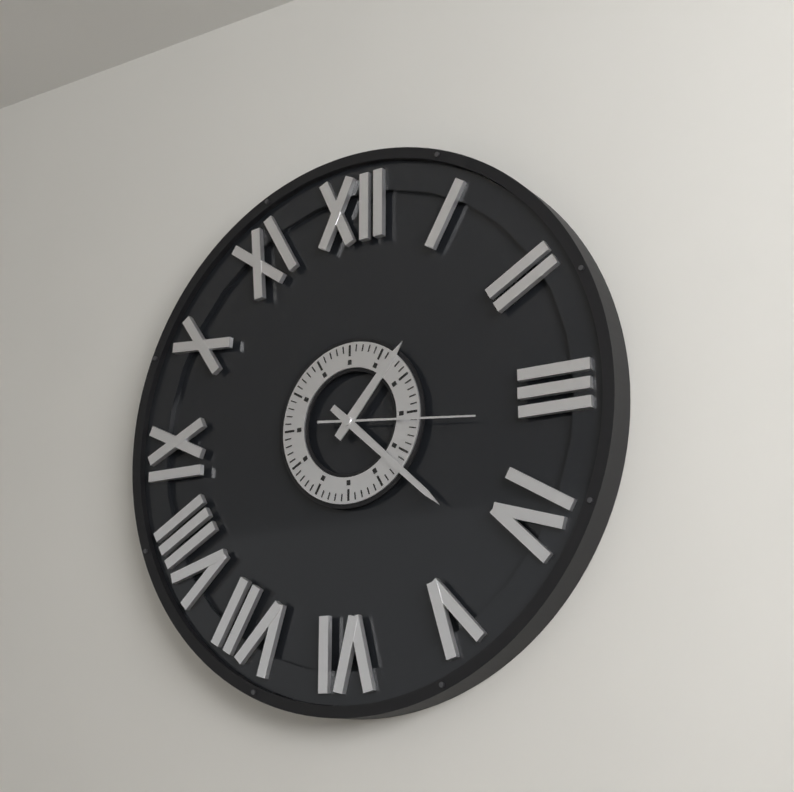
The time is **1:22:16**
